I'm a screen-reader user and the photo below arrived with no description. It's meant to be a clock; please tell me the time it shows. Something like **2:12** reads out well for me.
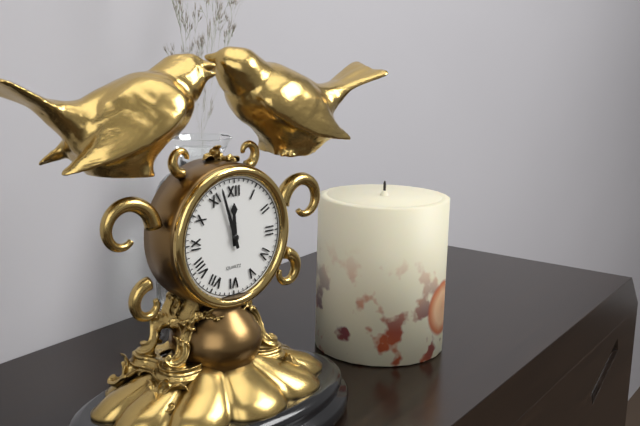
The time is **11:57**
